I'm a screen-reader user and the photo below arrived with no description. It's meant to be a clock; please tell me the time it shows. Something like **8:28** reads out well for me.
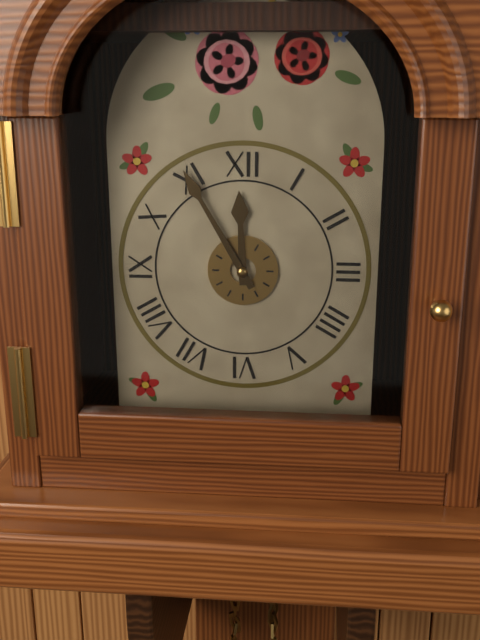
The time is **11:55**
